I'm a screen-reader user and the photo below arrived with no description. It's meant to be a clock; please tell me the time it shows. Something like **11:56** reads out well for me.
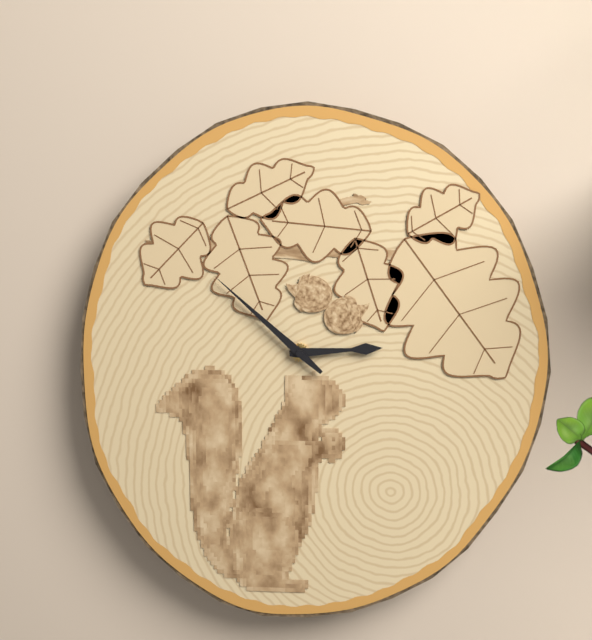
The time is **2:52**
